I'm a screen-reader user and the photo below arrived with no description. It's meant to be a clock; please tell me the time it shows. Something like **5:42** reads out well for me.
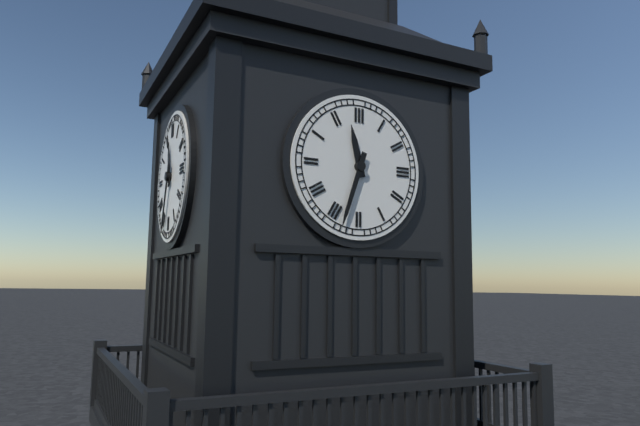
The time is **11:33**
